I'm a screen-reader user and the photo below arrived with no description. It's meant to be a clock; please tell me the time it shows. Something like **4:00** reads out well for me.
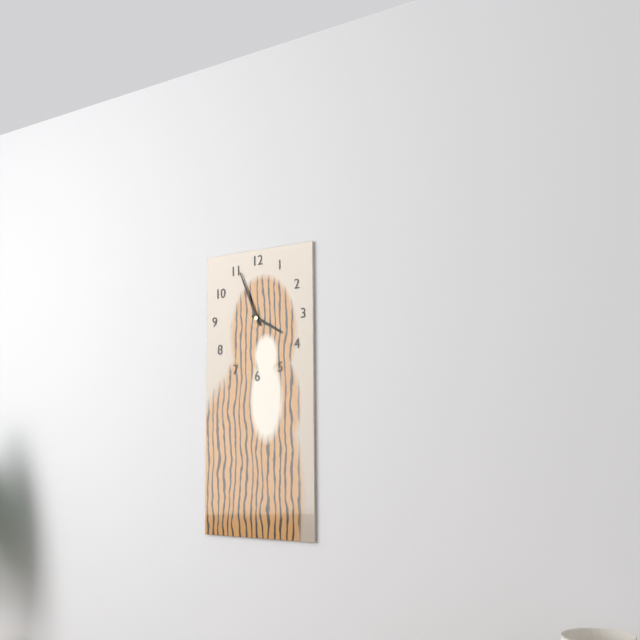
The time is **3:56**
